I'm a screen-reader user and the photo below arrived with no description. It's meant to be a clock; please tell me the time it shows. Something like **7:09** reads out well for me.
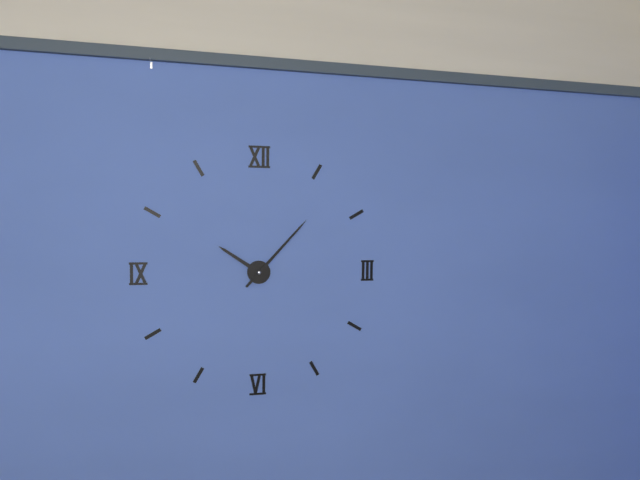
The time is **10:07**
